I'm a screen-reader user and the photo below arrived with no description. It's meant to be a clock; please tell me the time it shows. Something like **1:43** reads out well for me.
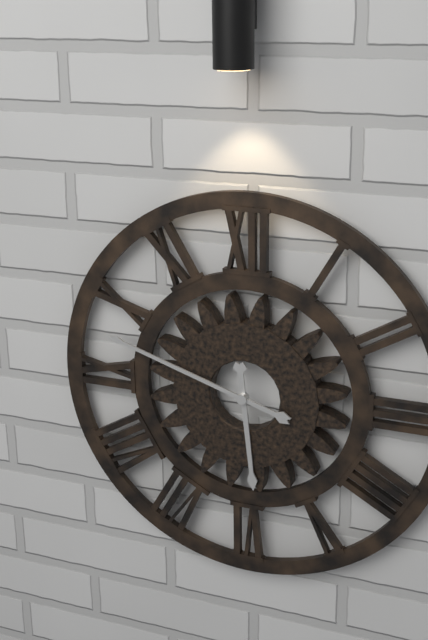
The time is **5:48**
